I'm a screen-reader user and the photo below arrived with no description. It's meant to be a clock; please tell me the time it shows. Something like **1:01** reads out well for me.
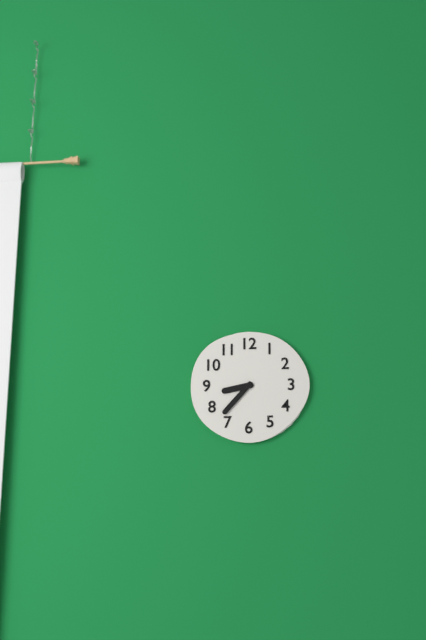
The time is **8:37**
